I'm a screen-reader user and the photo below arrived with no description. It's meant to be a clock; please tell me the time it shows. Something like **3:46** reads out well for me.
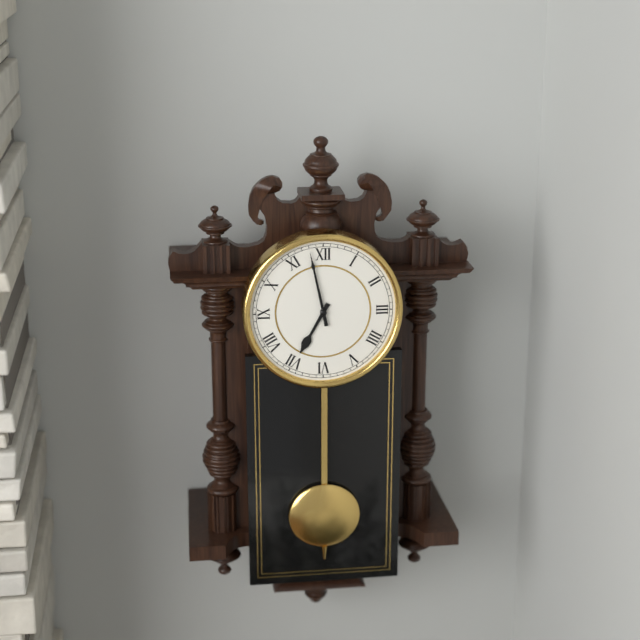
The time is **6:58**
